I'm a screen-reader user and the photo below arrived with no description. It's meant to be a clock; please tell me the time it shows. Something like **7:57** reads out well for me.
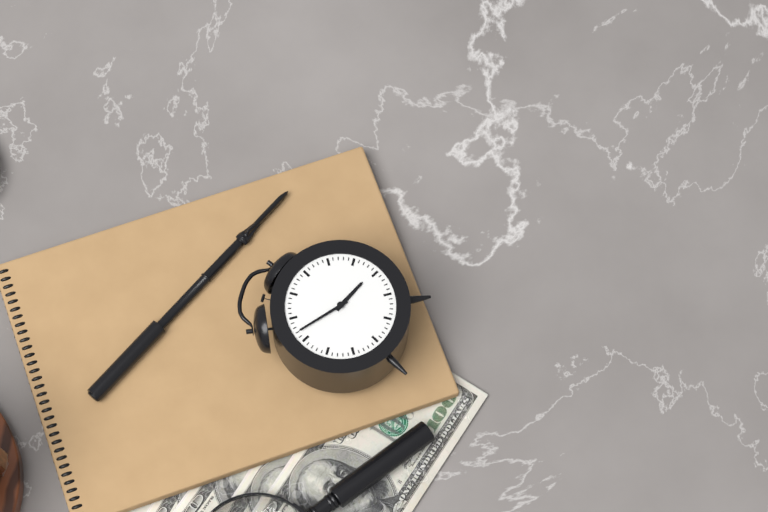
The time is **3:52**
